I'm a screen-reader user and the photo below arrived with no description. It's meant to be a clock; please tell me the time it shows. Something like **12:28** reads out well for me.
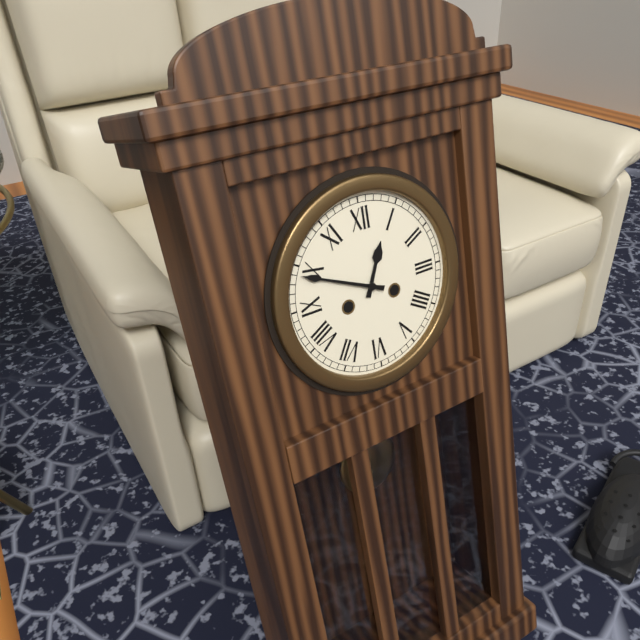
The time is **12:49**
